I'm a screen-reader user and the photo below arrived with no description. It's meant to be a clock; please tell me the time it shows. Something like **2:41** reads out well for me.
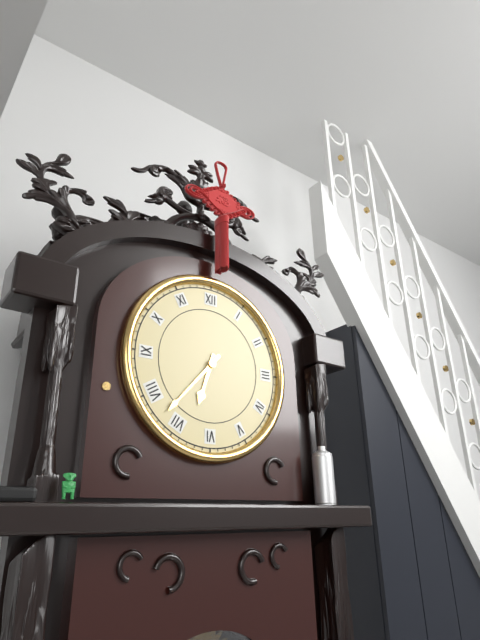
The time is **6:37**
